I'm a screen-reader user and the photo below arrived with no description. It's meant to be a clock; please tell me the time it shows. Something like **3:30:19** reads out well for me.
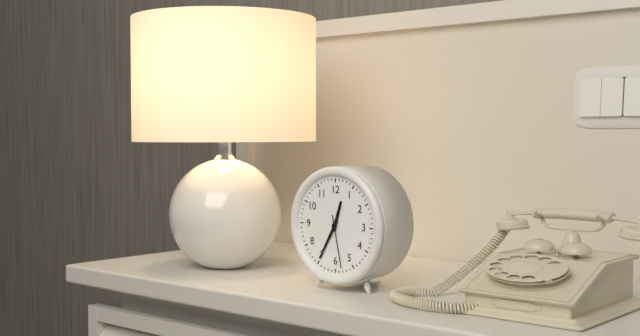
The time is **12:35:28**
